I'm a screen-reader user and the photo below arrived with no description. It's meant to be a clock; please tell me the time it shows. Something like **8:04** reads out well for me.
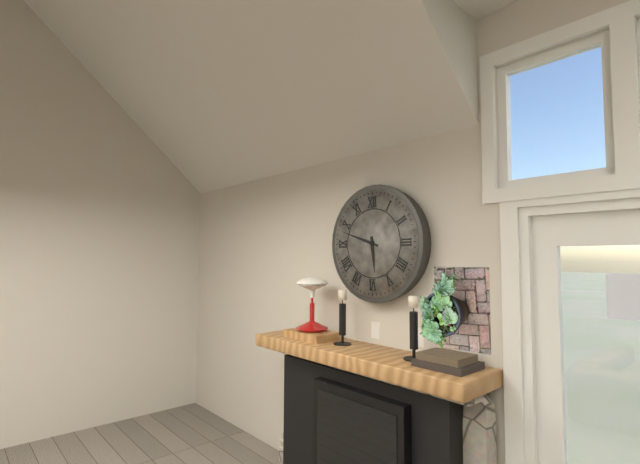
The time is **5:48**
